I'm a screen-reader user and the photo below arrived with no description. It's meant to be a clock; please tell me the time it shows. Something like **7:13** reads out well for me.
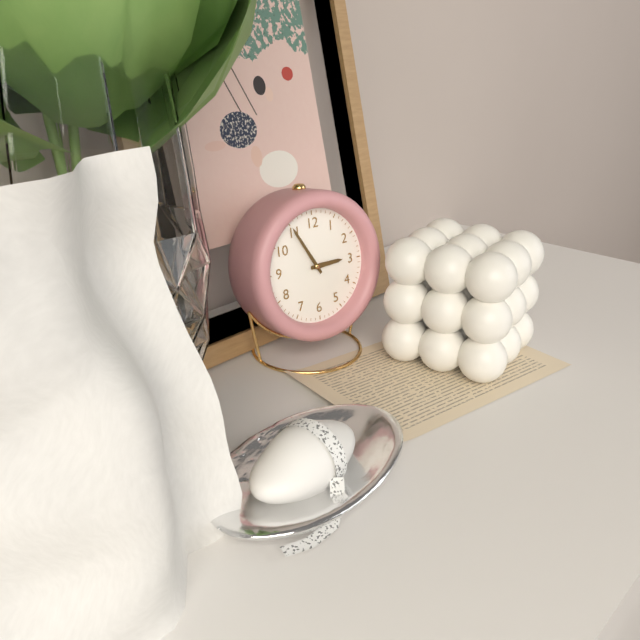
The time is **2:55**
